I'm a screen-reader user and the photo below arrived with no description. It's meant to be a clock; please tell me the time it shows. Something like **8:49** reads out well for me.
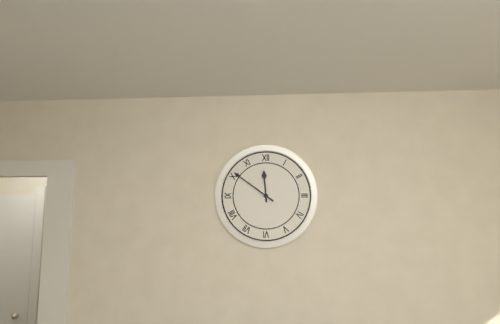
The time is **11:51**
